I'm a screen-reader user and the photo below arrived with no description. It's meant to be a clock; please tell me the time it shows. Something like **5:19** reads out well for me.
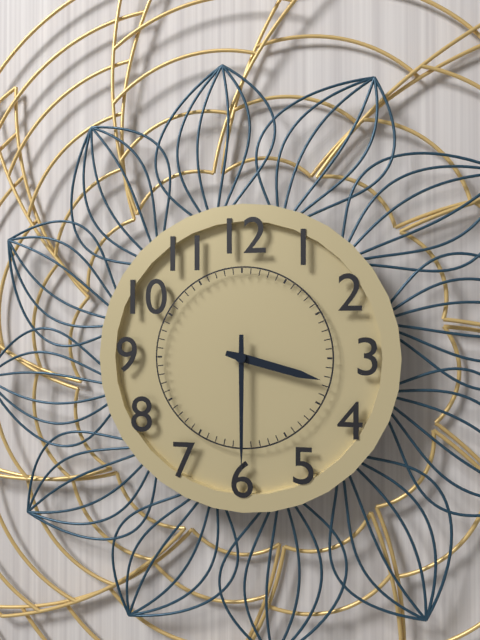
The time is **3:30**
